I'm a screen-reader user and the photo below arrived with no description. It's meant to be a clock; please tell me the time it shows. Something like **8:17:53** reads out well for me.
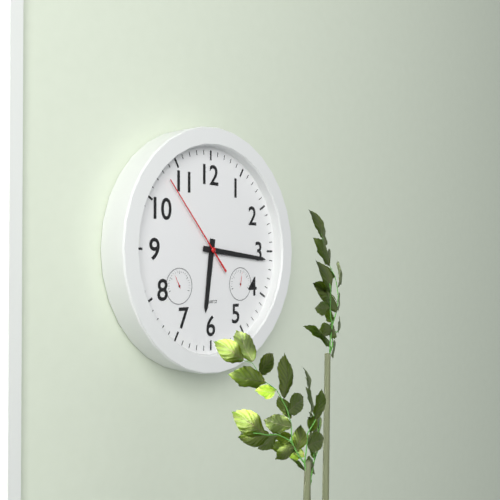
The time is **6:16:53**
